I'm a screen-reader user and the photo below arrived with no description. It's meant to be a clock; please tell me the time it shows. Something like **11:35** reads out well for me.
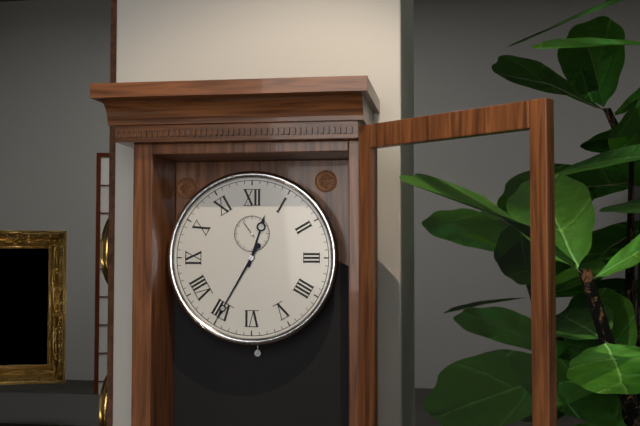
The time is **12:35**
